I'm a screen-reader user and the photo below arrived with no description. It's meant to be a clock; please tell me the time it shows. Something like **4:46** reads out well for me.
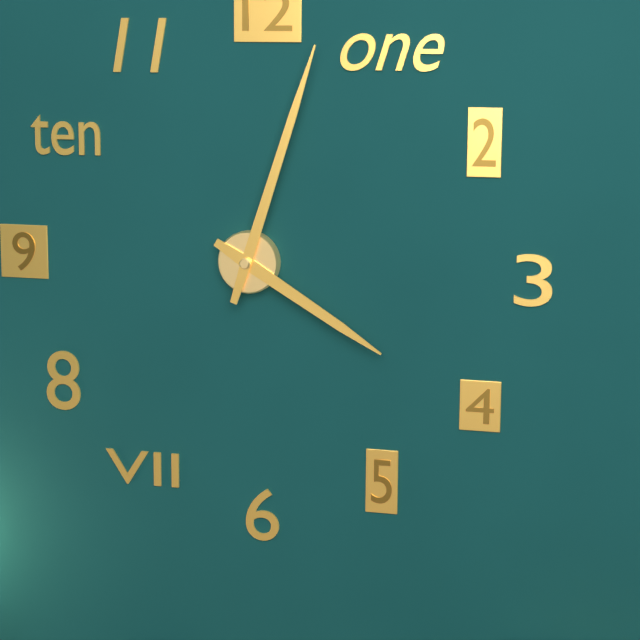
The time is **4:03**
